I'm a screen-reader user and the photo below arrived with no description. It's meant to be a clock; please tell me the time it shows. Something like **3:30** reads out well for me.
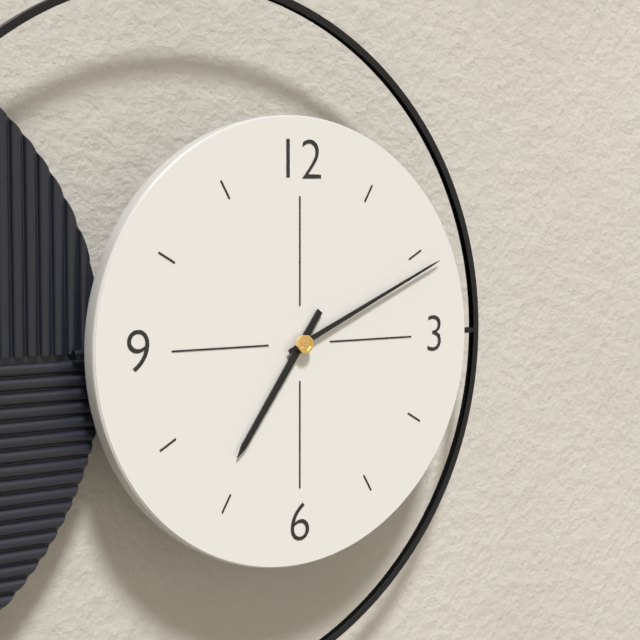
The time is **7:11**
